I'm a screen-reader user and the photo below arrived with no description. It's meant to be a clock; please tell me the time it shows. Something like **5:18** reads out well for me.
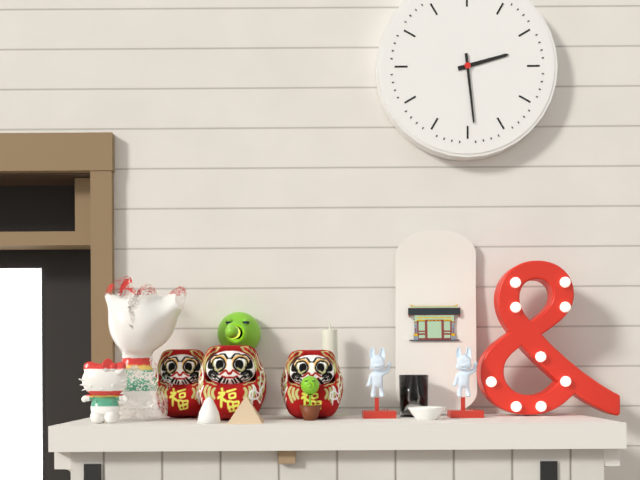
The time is **2:29**
